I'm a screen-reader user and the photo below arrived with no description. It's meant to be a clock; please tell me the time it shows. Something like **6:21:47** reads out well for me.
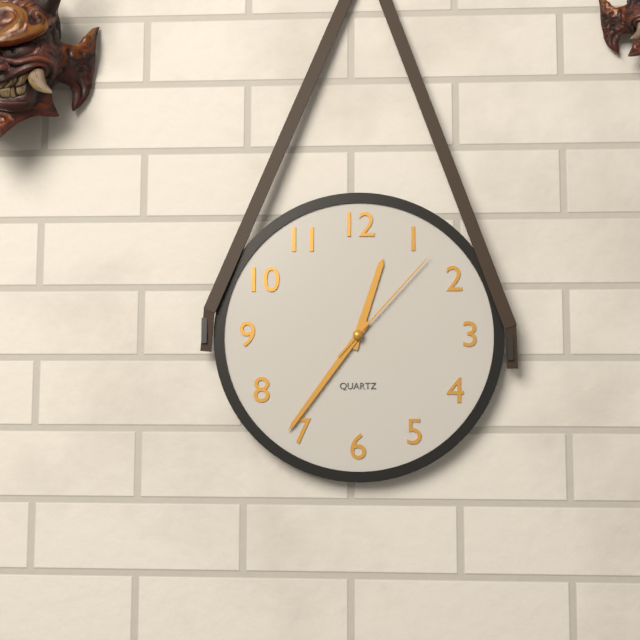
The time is **12:36:07**
